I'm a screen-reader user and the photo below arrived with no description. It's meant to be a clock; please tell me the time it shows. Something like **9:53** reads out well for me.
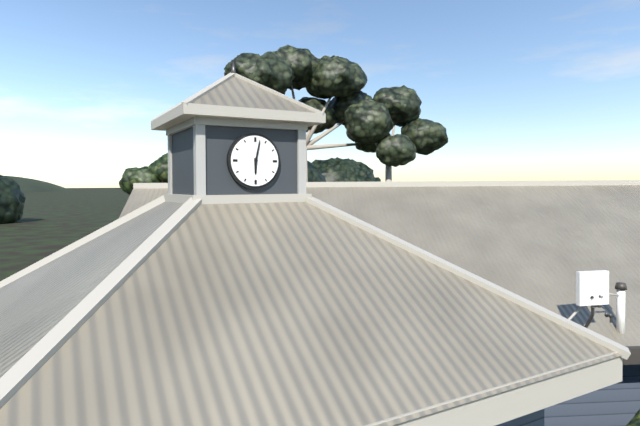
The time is **6:02**
